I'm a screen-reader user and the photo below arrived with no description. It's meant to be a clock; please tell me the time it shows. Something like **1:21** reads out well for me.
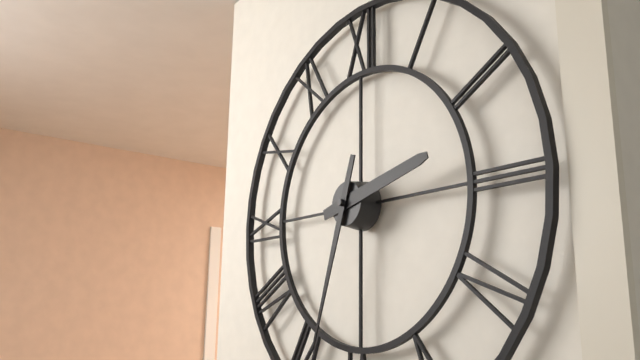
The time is **2:33**
